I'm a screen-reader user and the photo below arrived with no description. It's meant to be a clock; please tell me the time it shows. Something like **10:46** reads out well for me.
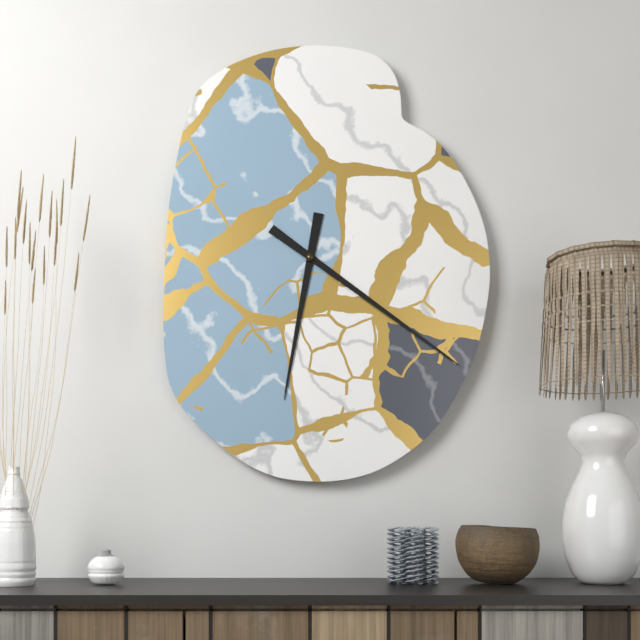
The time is **6:21**
